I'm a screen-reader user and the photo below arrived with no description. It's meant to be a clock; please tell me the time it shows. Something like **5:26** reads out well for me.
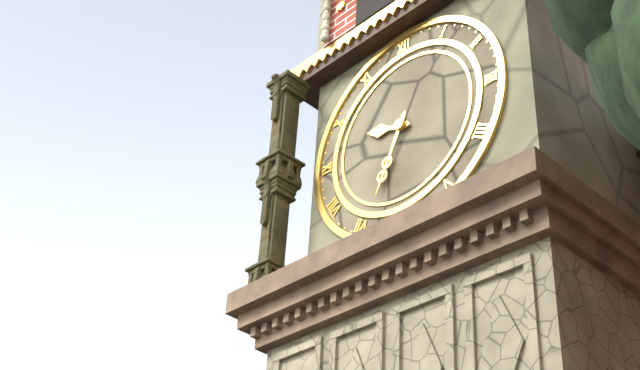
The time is **9:34**
